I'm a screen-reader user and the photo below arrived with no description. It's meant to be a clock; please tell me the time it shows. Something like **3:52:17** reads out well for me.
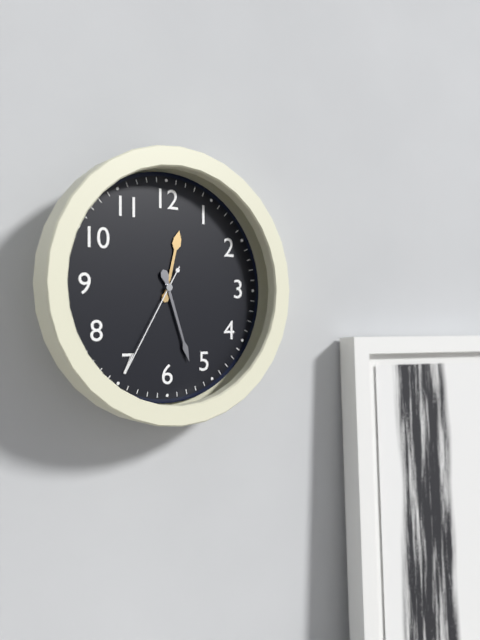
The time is **12:27:35**
